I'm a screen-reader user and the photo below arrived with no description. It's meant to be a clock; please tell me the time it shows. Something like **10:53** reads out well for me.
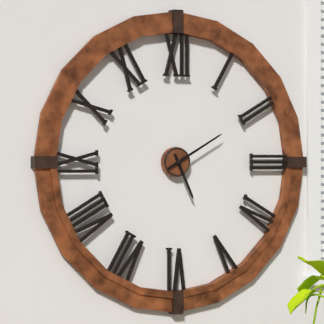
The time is **5:10**
